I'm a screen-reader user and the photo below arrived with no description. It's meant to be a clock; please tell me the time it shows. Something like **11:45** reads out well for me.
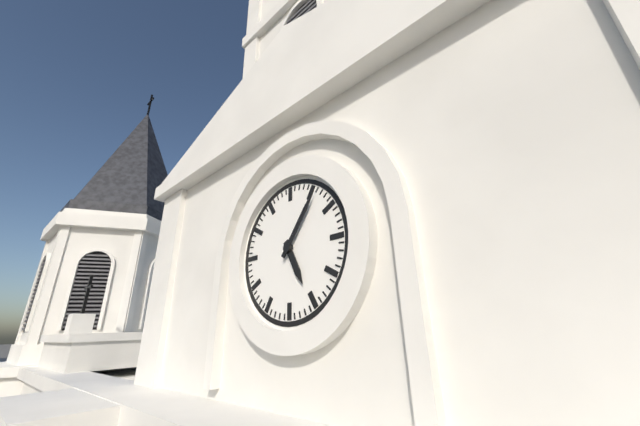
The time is **5:06**
